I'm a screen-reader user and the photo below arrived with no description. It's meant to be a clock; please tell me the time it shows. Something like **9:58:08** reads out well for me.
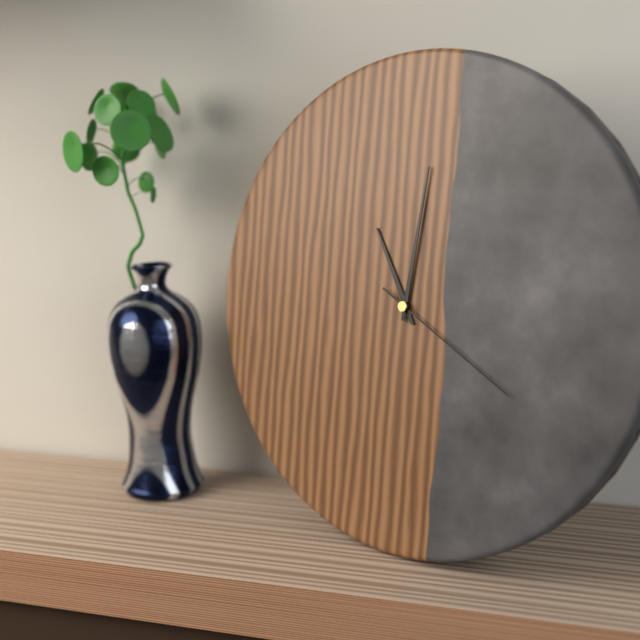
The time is **11:01:20**
